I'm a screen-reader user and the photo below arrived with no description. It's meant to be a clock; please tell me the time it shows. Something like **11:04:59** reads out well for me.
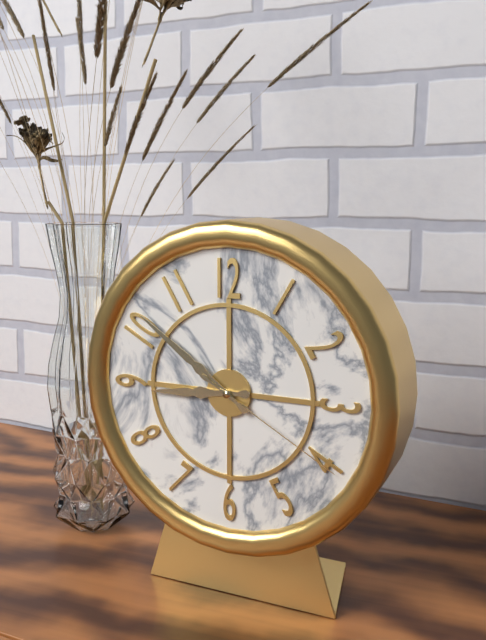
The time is **8:51:20**
